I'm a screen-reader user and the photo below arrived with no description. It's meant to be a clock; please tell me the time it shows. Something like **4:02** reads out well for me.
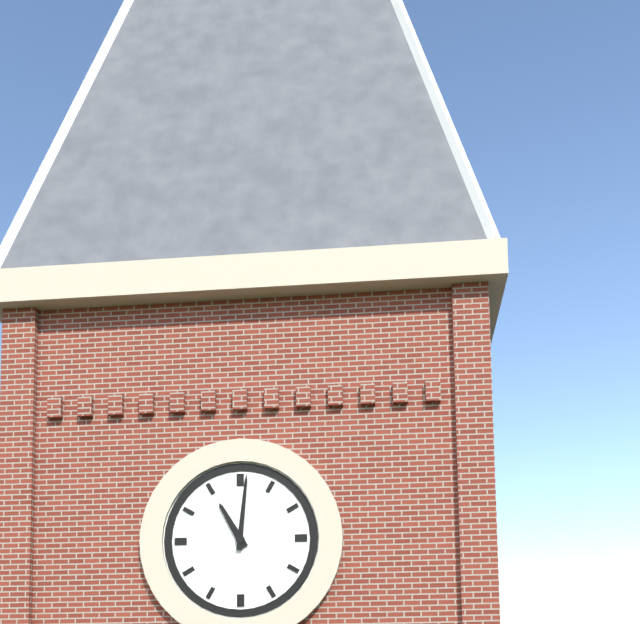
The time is **11:01**
